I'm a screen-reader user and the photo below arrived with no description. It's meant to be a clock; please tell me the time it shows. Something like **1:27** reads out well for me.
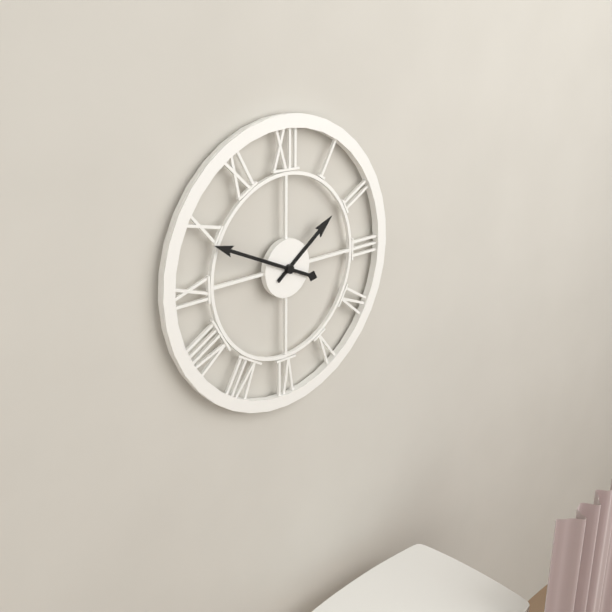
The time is **1:49**
